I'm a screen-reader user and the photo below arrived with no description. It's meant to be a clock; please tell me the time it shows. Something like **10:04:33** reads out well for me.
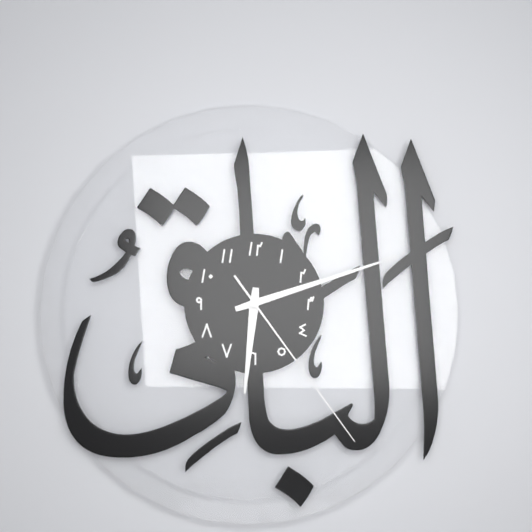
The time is **6:12:24**
